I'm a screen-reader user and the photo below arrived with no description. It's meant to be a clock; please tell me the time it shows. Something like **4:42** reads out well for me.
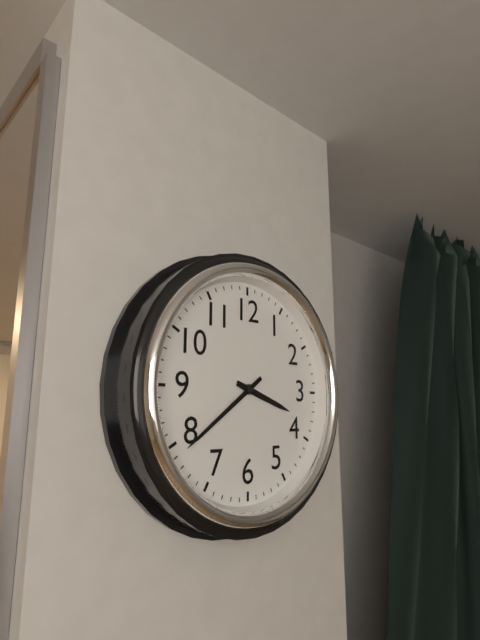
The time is **3:39**
